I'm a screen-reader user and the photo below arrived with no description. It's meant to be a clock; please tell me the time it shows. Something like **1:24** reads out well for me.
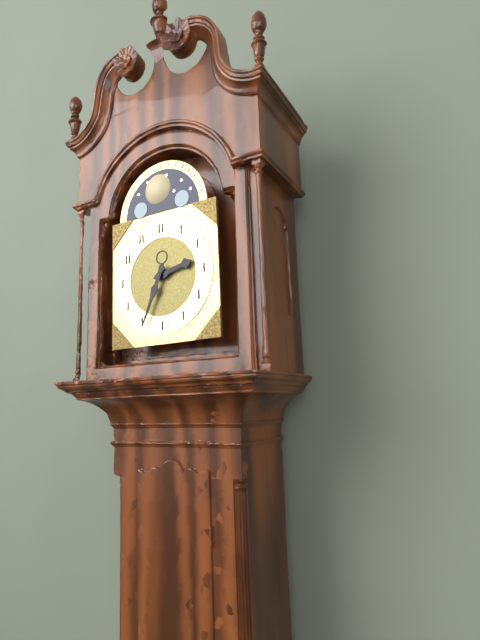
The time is **2:34**
